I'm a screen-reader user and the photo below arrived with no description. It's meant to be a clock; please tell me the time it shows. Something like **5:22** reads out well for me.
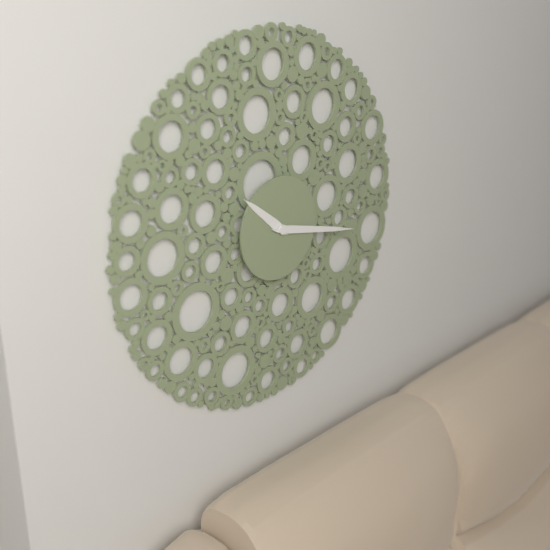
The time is **10:17**
